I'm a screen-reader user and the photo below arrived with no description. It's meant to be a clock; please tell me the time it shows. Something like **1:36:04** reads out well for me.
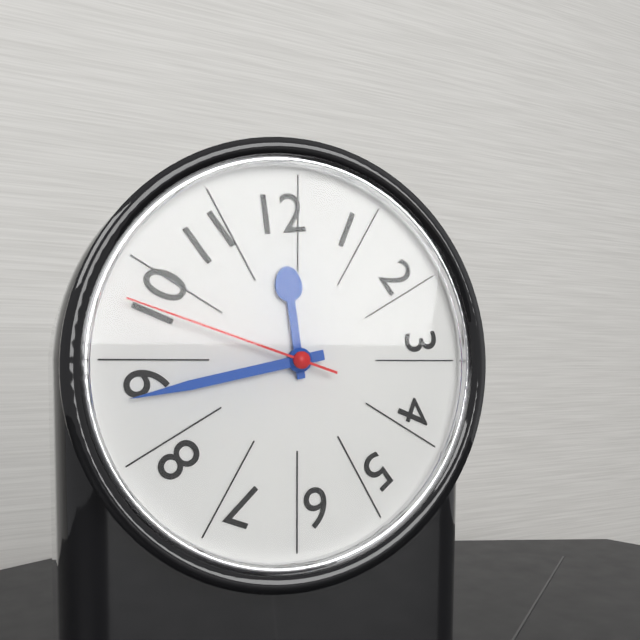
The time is **11:43:48**
